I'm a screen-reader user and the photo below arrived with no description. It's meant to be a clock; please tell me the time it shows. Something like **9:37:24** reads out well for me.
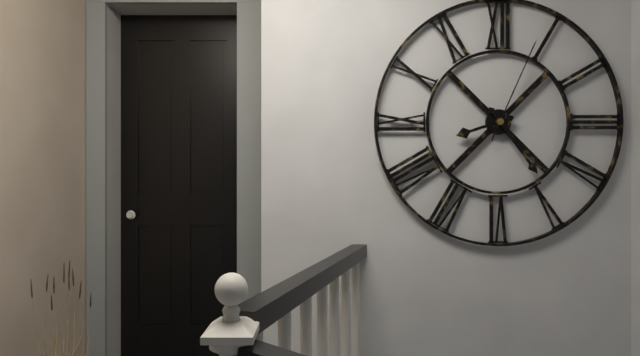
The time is **8:24:04**
